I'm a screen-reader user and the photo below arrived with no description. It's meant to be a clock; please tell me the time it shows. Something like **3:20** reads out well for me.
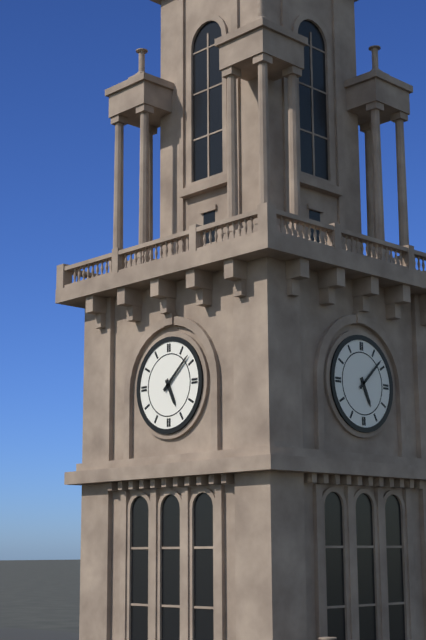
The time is **5:08**
